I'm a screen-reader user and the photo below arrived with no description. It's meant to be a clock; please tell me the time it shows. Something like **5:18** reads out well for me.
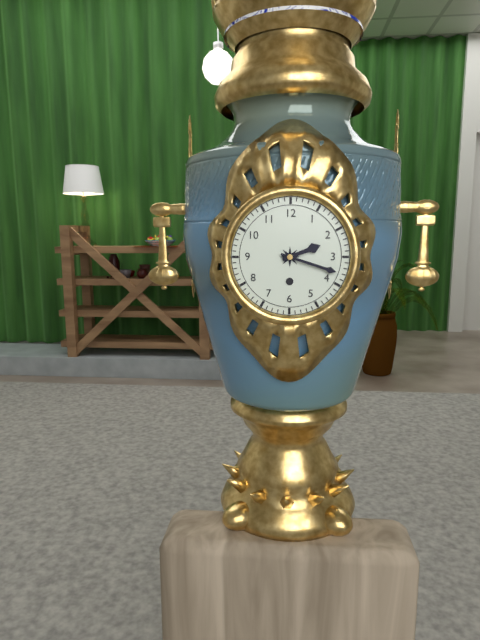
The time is **2:18**
